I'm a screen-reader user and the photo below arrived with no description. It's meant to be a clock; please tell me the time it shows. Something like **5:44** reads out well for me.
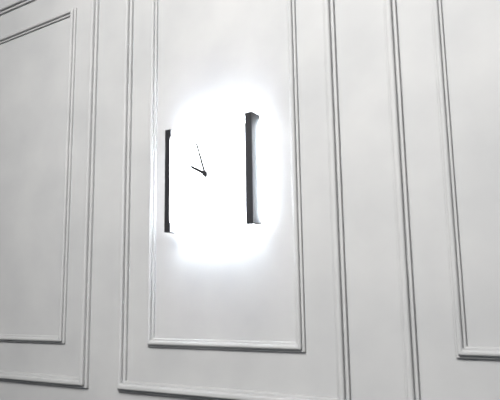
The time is **9:57**
